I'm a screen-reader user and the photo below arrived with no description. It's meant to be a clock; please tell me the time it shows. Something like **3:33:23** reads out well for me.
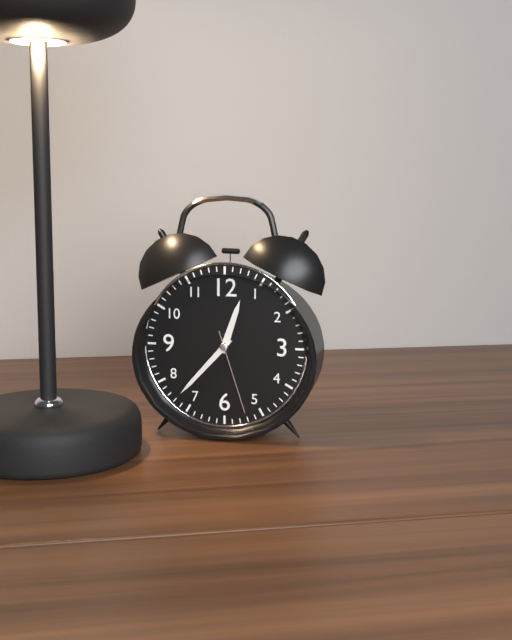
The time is **12:37:27**
